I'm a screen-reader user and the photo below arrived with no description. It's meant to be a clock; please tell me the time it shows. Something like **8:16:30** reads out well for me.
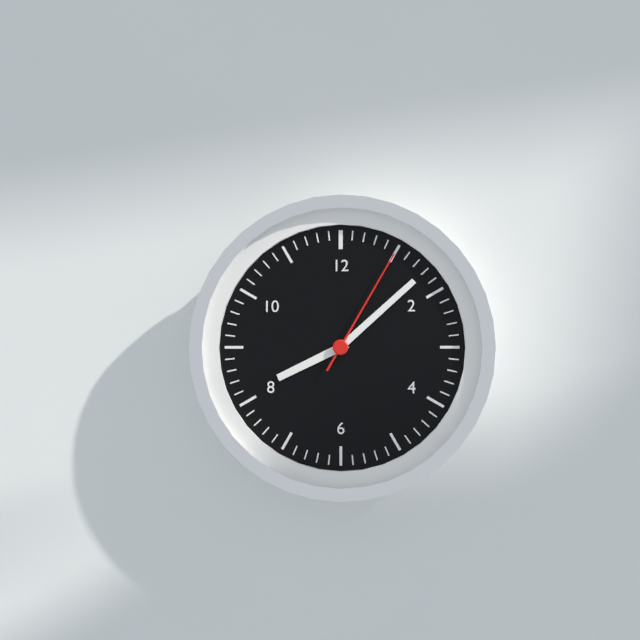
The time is **8:08:05**
